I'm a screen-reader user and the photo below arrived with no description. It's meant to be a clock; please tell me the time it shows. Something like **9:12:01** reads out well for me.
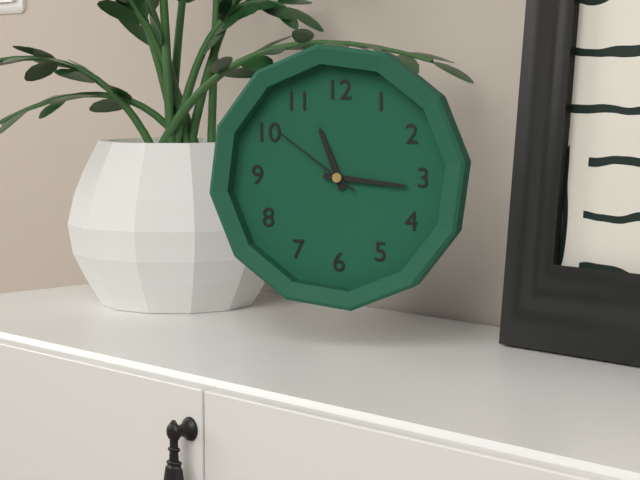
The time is **11:16:51**
